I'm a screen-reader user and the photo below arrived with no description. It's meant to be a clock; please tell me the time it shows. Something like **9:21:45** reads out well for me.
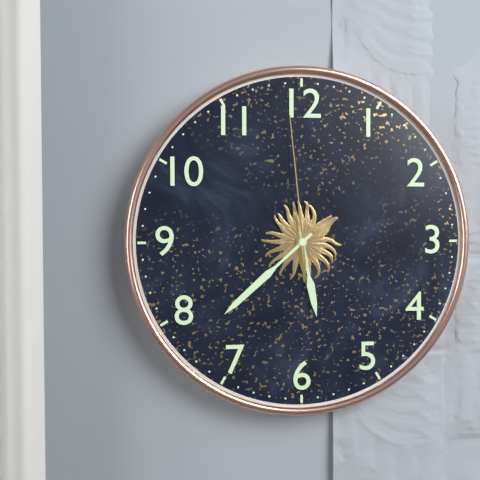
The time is **5:38:59**
